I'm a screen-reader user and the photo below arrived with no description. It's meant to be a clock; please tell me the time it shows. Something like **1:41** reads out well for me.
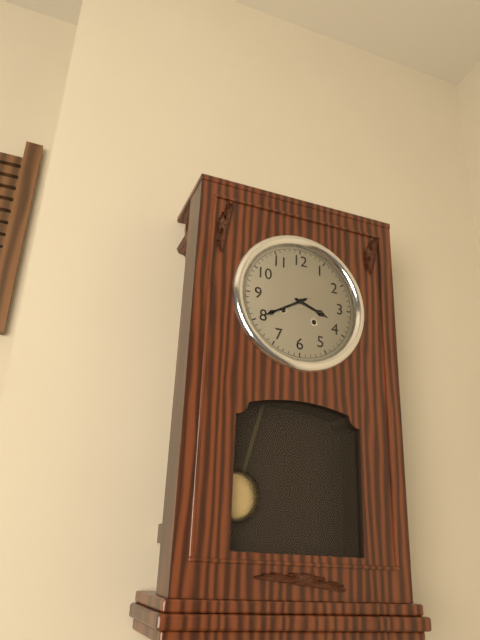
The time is **3:40**
